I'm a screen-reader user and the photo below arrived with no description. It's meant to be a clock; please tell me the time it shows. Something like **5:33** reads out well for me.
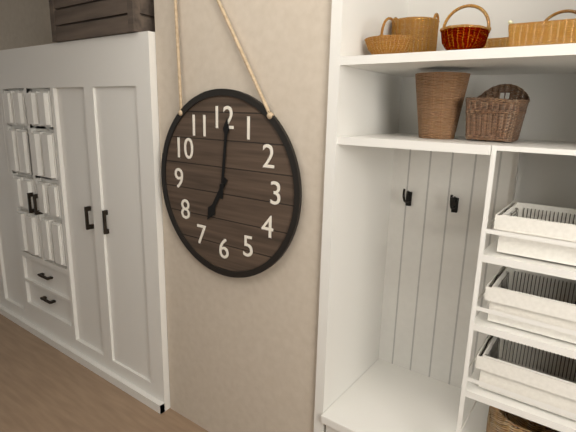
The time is **7:01**
